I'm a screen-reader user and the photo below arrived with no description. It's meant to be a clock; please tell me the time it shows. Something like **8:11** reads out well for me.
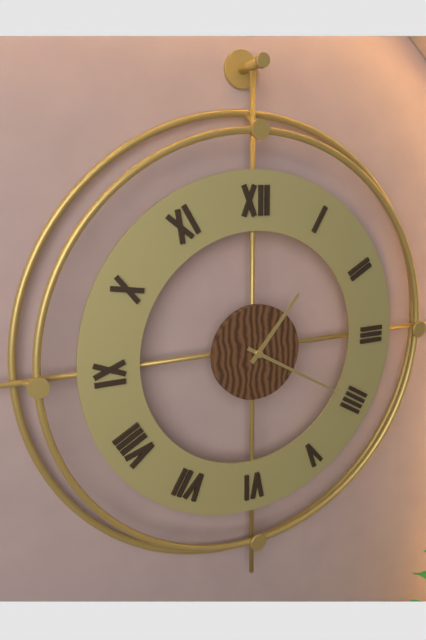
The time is **1:20**
